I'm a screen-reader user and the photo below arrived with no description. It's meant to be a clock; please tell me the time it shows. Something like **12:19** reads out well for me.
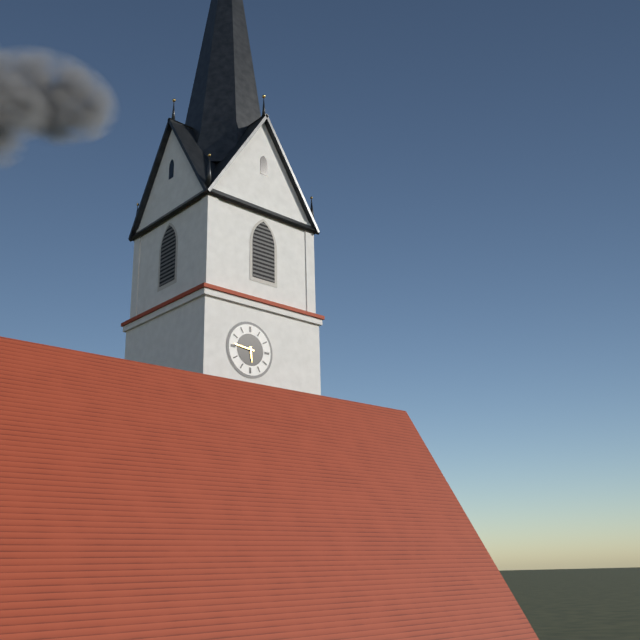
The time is **5:46**
